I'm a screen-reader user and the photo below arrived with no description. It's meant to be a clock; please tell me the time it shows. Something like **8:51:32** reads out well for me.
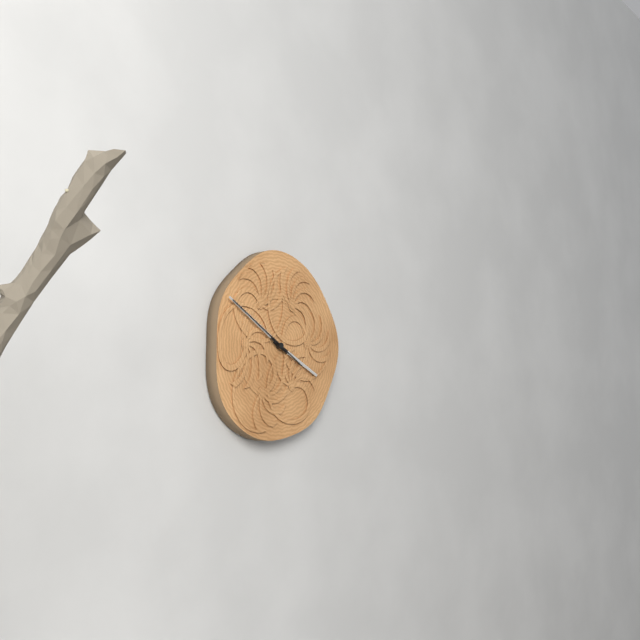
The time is **3:50:50**
